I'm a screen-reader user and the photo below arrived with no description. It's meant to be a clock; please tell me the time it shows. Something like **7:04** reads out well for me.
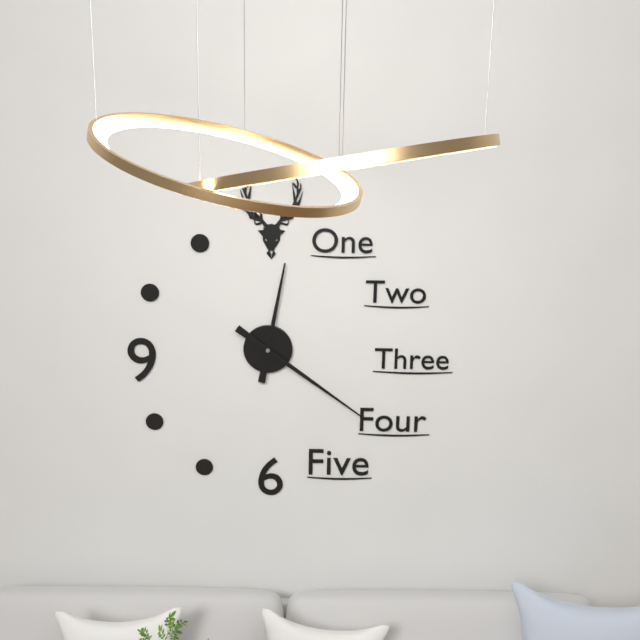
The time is **12:21**
